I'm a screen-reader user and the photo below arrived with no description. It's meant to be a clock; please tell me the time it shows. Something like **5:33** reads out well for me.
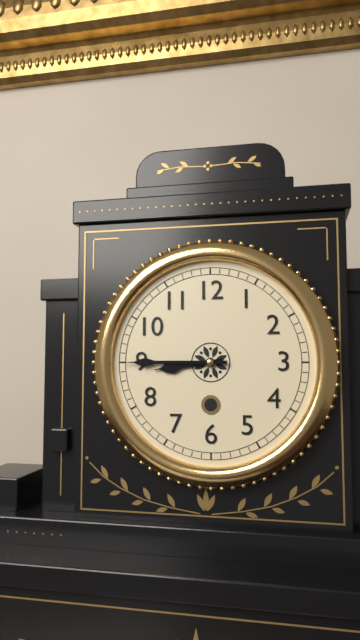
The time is **8:45**
